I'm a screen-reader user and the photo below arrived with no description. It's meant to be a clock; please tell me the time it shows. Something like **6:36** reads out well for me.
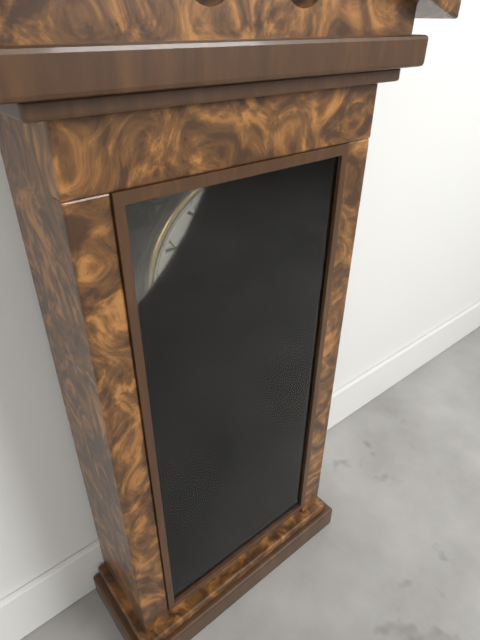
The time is **7:09**
